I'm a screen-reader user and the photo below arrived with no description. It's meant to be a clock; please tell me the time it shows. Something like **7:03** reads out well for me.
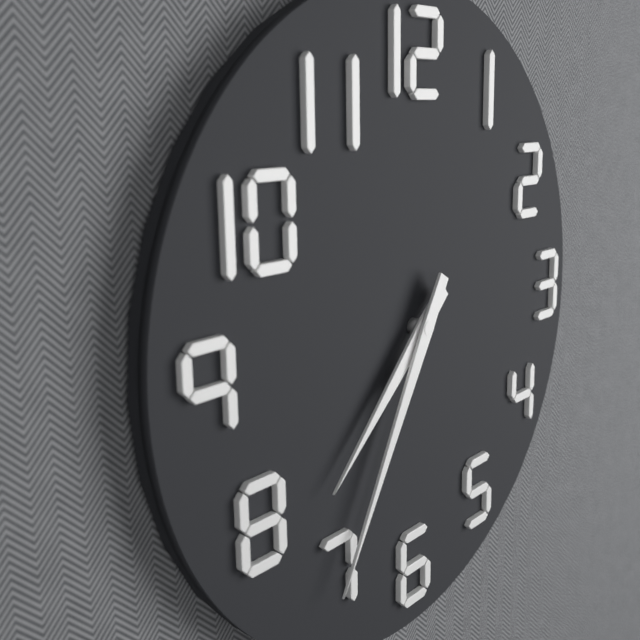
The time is **7:35**
